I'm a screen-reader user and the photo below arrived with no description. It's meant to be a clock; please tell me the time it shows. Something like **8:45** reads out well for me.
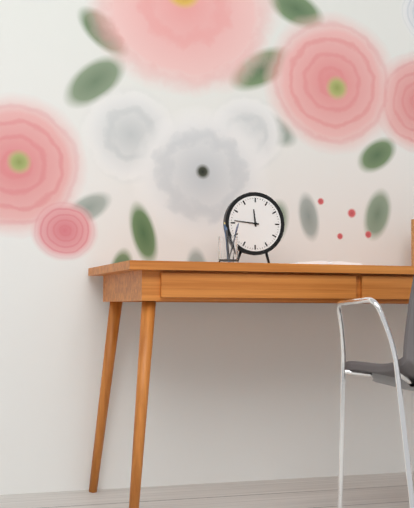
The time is **11:46**
